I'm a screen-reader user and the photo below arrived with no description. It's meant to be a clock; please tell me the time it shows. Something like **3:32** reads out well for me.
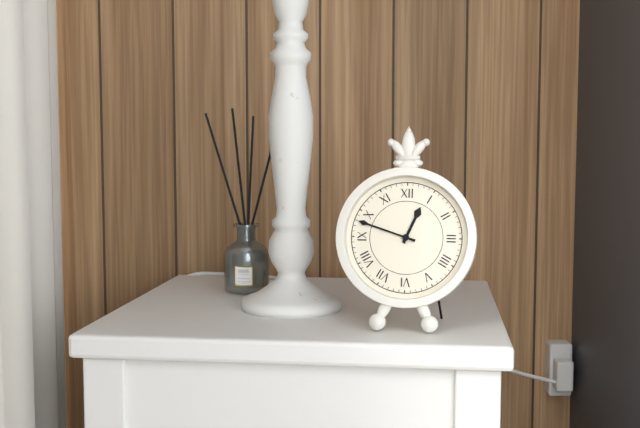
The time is **12:48**
